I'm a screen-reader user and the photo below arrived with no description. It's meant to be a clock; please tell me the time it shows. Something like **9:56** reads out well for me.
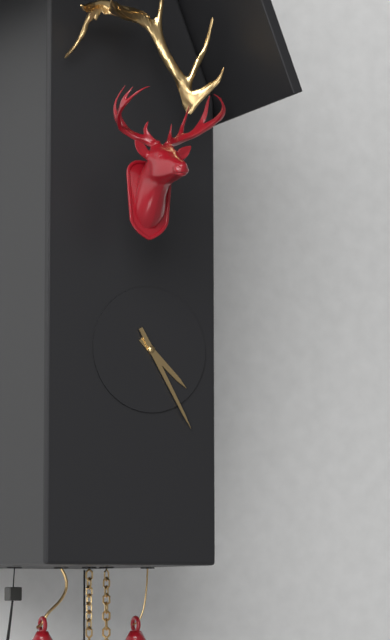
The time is **4:25**
